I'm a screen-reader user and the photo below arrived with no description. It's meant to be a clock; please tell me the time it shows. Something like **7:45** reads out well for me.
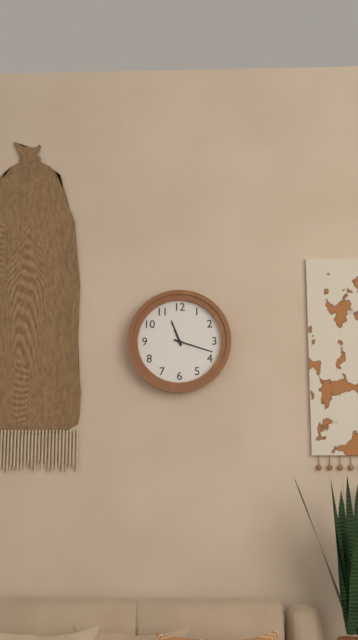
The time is **11:18**
